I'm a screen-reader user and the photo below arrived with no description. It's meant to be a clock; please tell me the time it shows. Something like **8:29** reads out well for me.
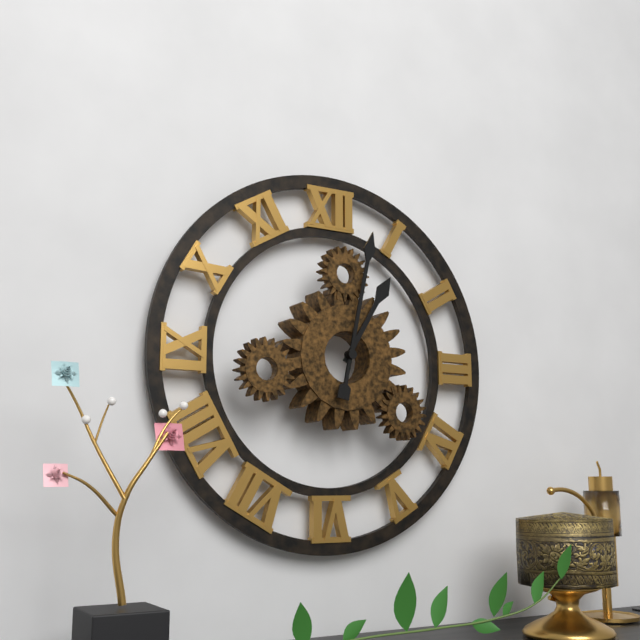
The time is **1:02**
